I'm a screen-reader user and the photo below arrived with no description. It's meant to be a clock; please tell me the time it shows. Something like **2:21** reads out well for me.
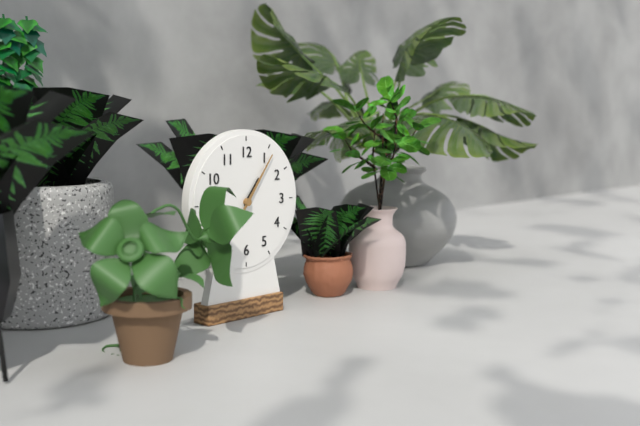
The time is **1:06**
